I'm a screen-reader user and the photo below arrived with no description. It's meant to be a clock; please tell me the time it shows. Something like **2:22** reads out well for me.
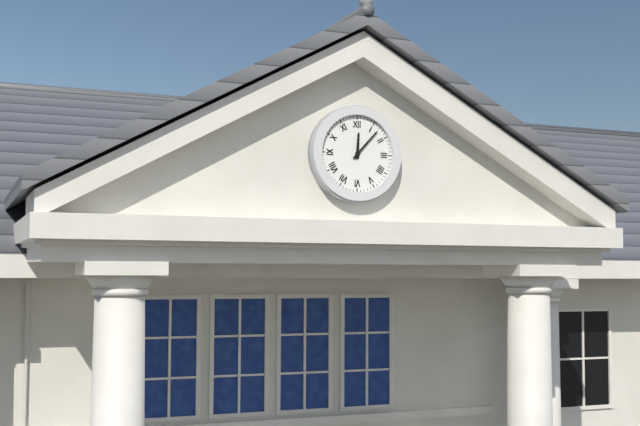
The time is **12:07**
